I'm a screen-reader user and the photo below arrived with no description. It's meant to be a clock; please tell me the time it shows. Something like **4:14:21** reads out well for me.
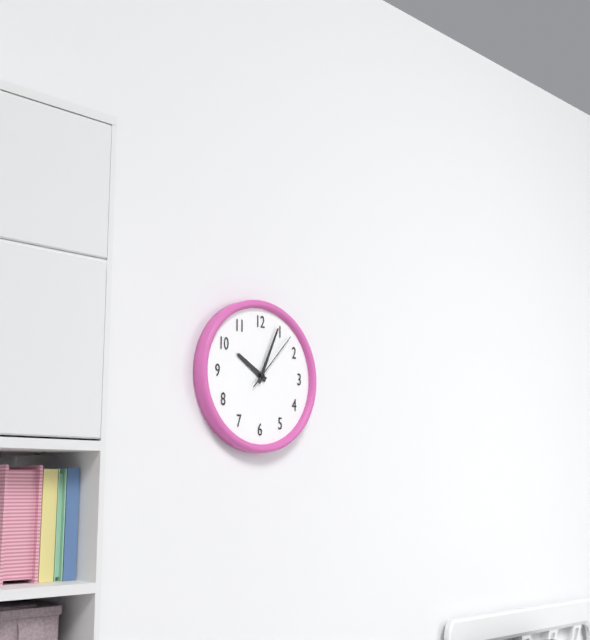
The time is **10:04:07**
